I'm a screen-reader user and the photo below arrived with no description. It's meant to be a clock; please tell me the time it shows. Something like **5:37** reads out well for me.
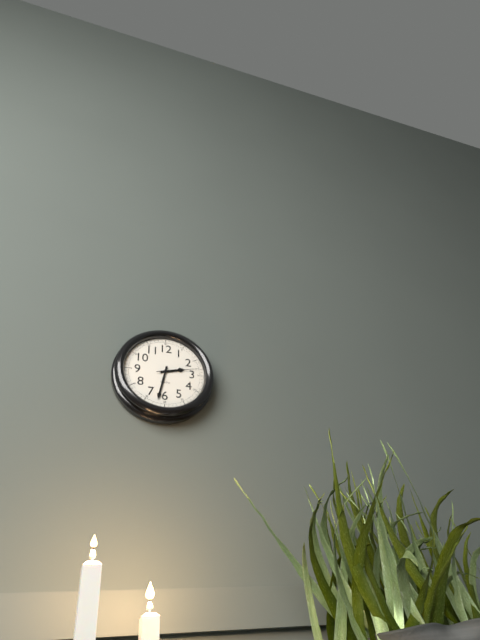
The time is **2:32**
